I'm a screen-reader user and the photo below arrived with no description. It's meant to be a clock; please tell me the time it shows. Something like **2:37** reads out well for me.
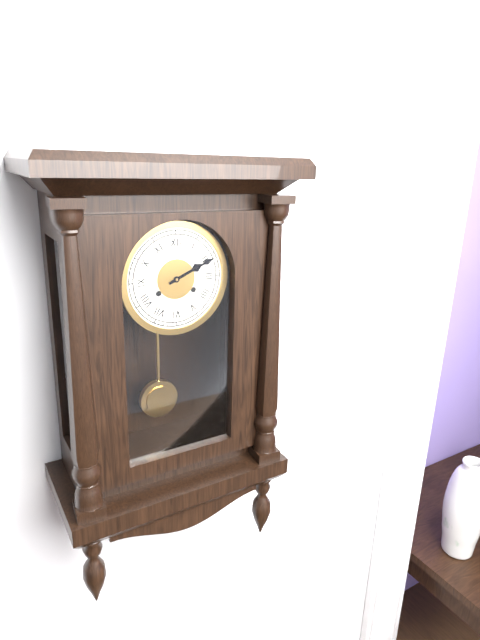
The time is **2:11**
